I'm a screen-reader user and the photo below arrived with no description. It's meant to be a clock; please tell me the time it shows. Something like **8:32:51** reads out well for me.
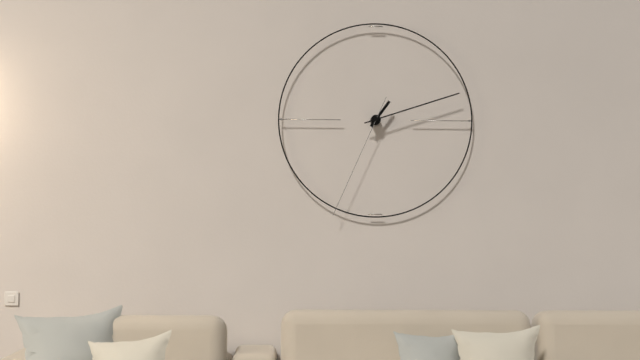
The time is **1:12:34**
